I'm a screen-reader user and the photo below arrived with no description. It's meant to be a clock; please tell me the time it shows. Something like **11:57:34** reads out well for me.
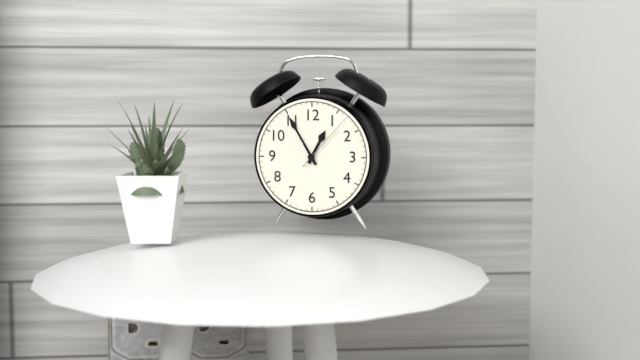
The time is **12:55:07**
